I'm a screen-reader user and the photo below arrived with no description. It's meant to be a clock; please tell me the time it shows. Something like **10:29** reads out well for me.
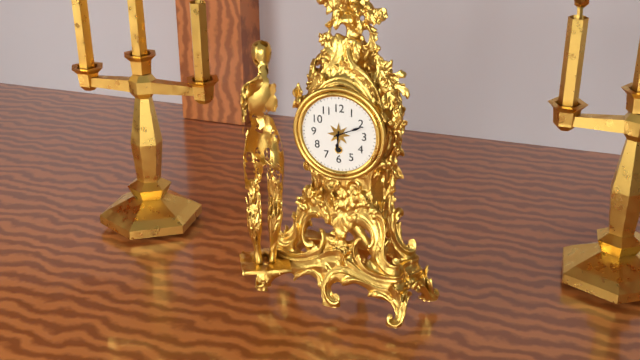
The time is **6:11**
